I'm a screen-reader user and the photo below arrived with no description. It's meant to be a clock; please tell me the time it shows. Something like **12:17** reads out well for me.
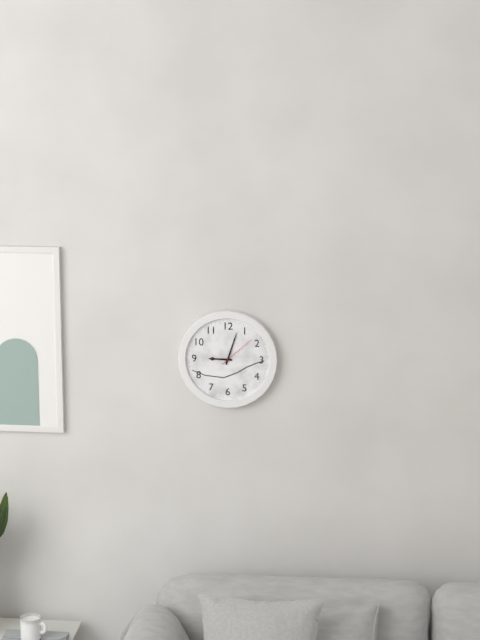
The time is **9:03**
